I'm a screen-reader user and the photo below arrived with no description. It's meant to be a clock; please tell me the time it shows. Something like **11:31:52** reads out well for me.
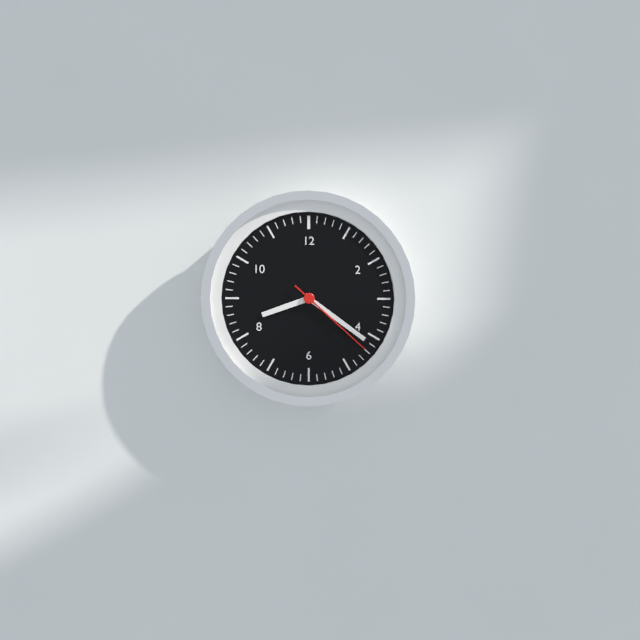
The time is **8:21:22**
